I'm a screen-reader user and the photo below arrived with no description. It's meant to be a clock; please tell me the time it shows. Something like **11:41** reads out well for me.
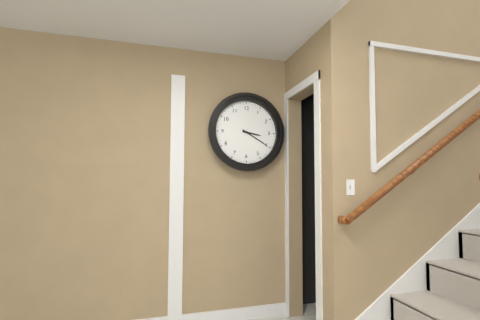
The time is **3:20**
